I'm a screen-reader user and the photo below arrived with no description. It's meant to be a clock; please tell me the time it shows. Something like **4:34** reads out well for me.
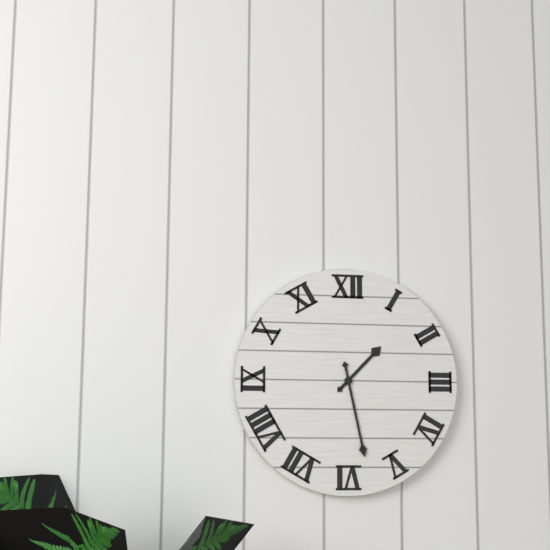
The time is **1:28**
